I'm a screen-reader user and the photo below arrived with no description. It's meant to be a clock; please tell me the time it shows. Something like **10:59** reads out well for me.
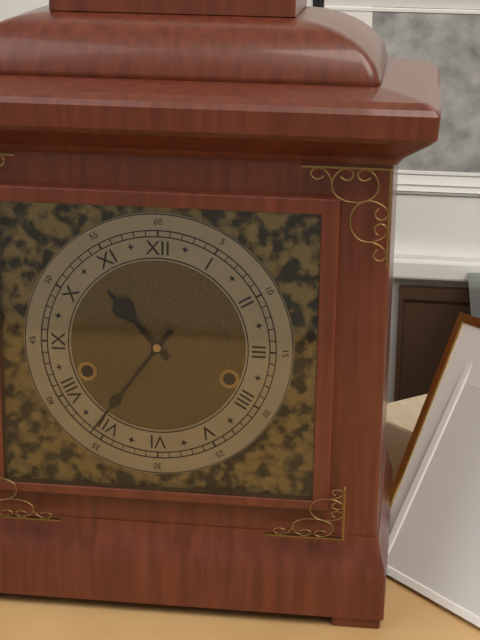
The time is **10:36**
